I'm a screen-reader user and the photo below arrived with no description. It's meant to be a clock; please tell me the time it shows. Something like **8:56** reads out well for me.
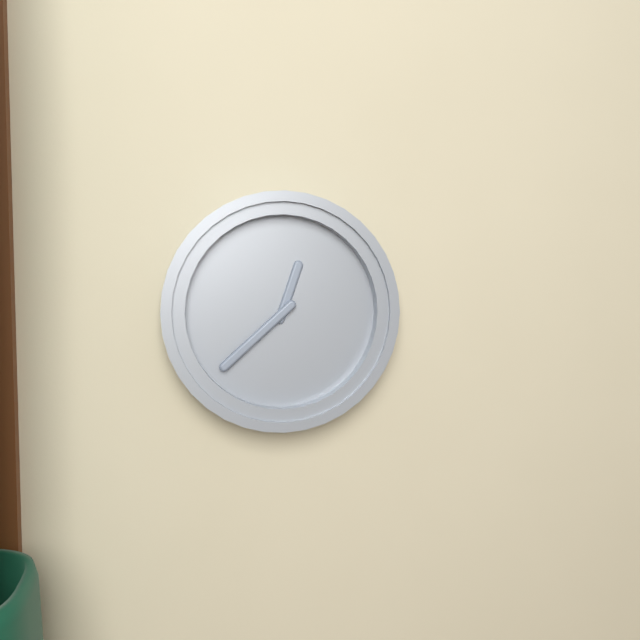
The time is **12:38**
